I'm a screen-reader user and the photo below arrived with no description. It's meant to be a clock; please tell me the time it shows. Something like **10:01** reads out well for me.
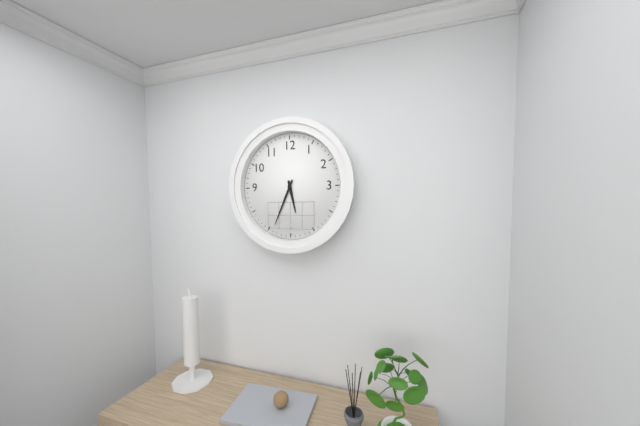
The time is **5:34**
